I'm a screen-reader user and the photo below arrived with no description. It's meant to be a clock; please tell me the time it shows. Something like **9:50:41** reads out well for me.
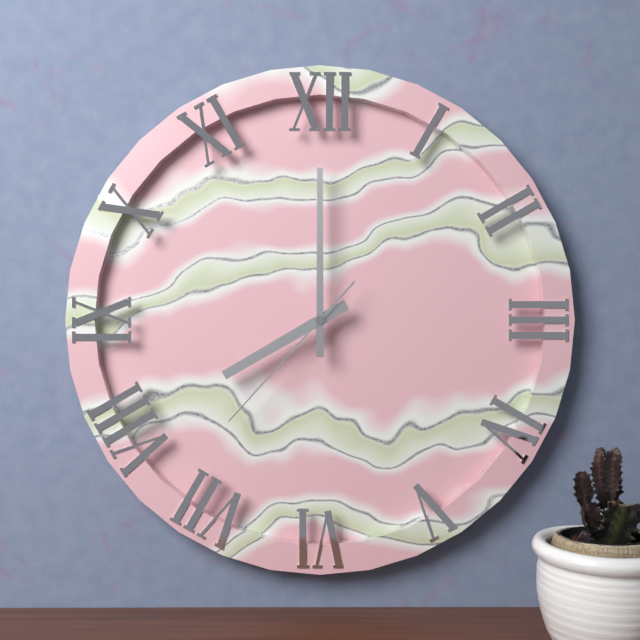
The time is **8:00:37**
